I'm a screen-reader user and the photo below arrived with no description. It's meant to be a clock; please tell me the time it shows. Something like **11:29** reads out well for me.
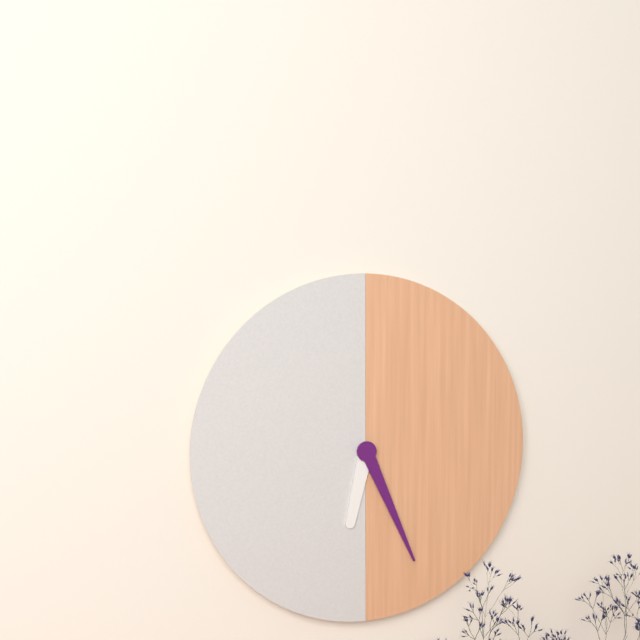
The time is **6:26**
